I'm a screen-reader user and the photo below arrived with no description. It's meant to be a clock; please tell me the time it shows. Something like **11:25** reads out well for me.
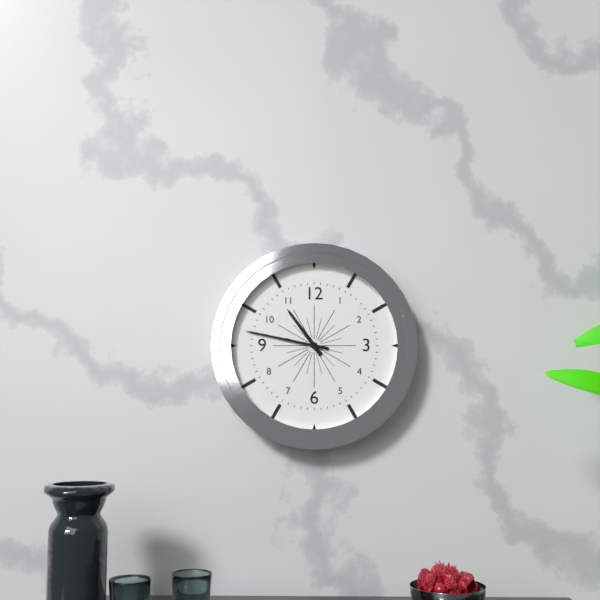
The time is **10:47**
